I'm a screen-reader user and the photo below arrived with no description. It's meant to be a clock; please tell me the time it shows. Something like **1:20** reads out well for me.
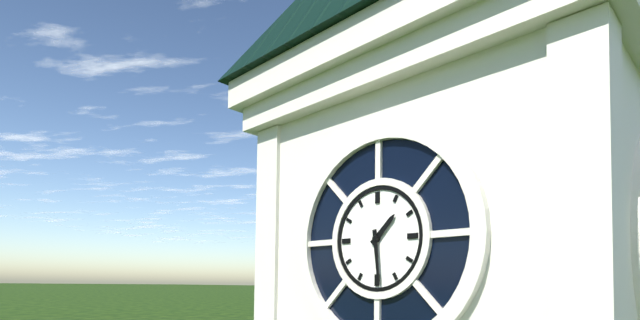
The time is **1:29**
